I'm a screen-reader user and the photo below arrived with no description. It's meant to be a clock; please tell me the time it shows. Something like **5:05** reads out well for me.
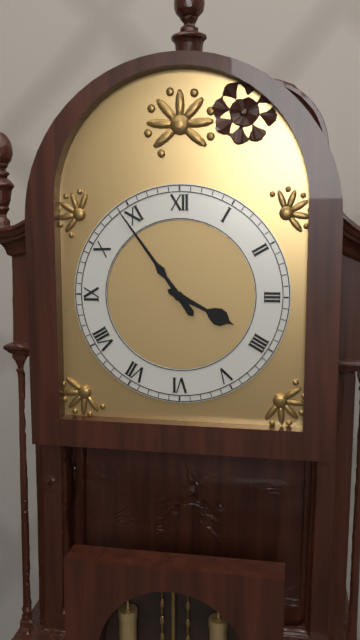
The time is **3:54**
